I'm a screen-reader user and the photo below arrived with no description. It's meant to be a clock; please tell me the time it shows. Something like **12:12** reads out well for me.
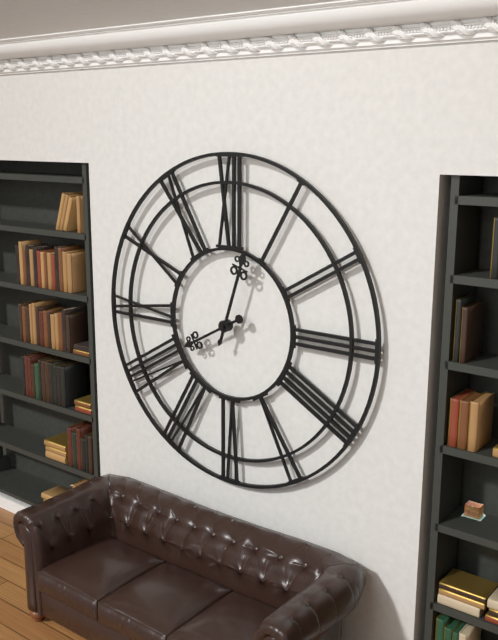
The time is **8:03**
